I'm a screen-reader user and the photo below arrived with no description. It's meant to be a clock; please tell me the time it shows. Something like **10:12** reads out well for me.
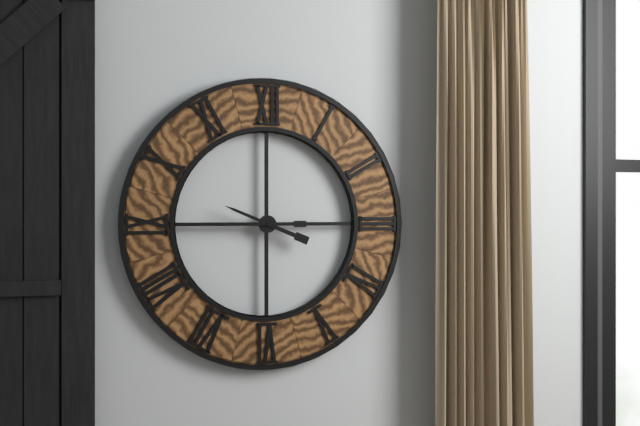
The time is **9:45**
